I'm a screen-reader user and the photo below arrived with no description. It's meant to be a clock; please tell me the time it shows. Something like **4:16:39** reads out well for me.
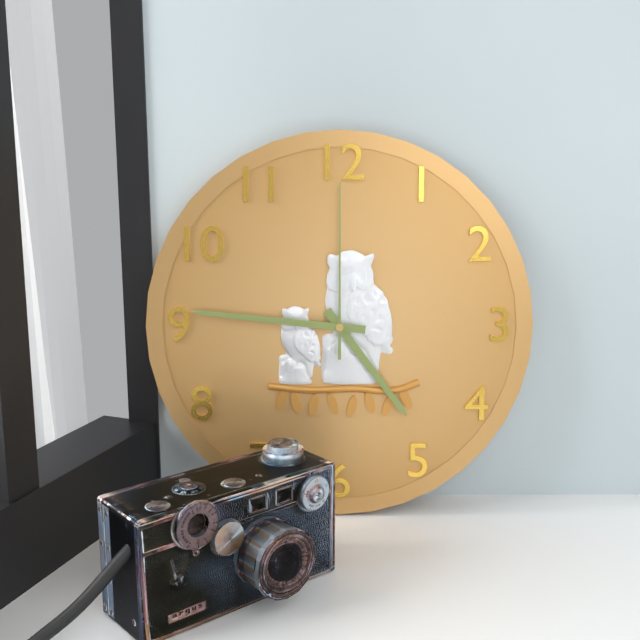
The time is **4:46:00**
